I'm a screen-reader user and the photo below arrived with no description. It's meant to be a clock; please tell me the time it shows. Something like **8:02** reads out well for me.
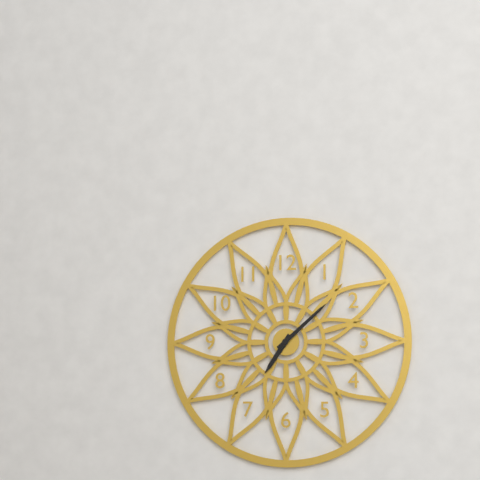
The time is **7:08**
